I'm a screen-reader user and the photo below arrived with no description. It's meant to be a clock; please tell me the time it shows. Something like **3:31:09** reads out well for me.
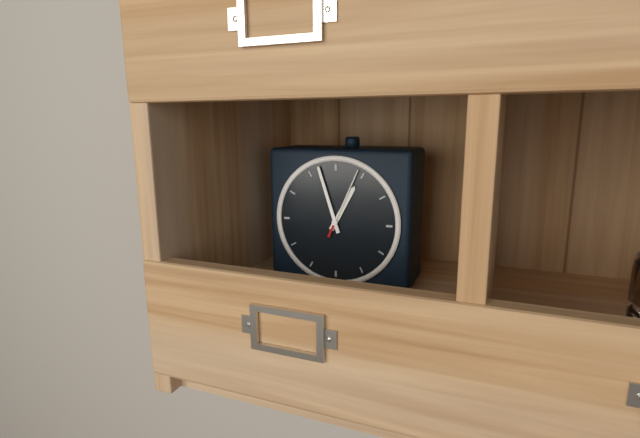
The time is **12:57:04**
